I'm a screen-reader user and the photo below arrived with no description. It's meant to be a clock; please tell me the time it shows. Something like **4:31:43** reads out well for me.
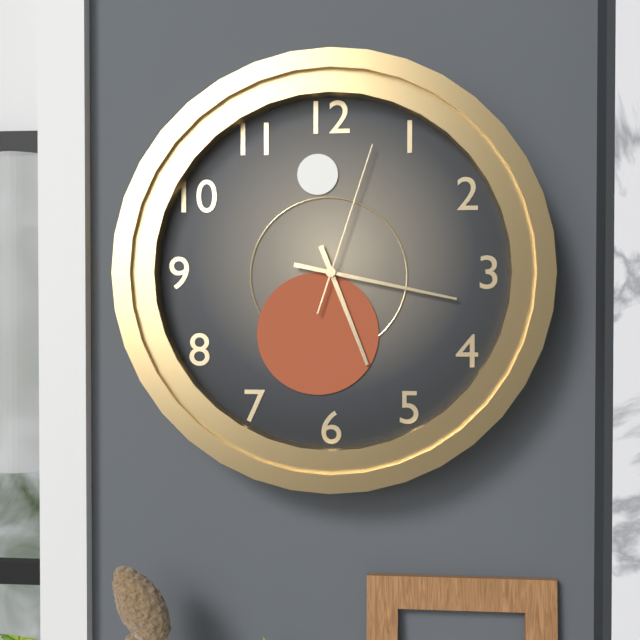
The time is **5:17:03**
